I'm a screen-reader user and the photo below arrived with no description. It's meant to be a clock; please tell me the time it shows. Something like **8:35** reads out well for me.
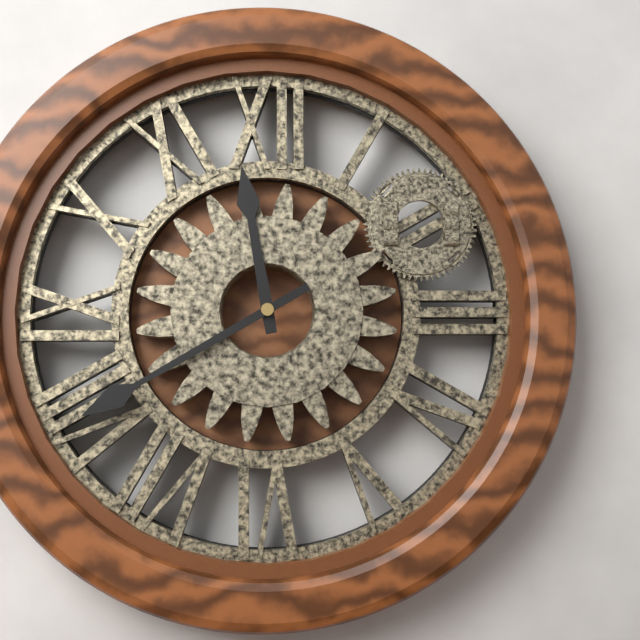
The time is **11:40**
